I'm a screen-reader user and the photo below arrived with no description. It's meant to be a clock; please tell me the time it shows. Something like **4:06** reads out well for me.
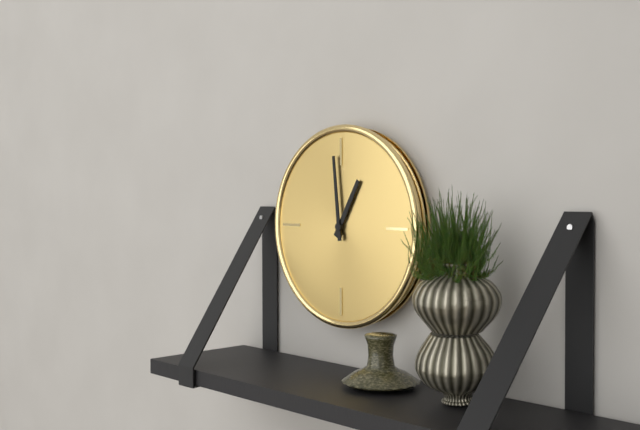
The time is **12:59**
